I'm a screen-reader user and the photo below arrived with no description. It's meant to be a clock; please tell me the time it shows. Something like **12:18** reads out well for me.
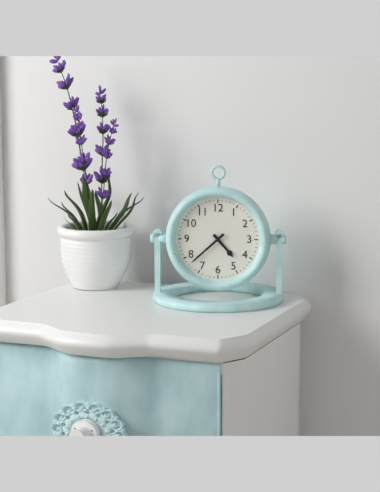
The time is **4:38**
